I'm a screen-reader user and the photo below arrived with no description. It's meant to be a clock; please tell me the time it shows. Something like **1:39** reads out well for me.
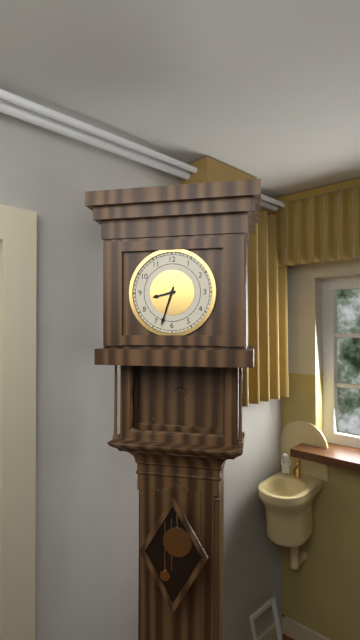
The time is **8:33**
